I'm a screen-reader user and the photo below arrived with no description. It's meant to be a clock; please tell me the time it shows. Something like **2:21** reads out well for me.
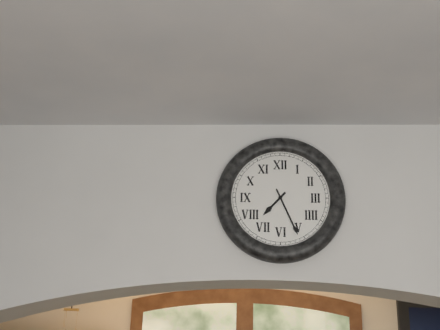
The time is **7:26**
